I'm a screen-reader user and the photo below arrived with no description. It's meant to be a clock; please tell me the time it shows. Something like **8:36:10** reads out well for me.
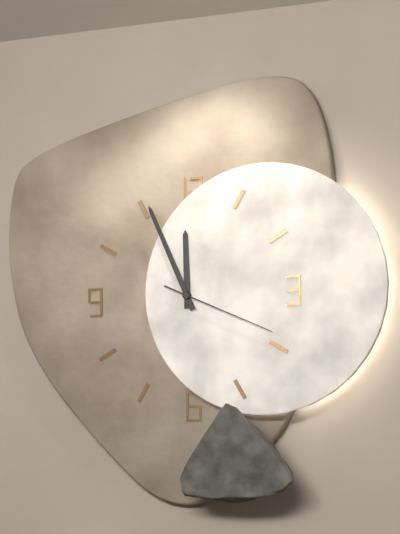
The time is **11:56:19**
